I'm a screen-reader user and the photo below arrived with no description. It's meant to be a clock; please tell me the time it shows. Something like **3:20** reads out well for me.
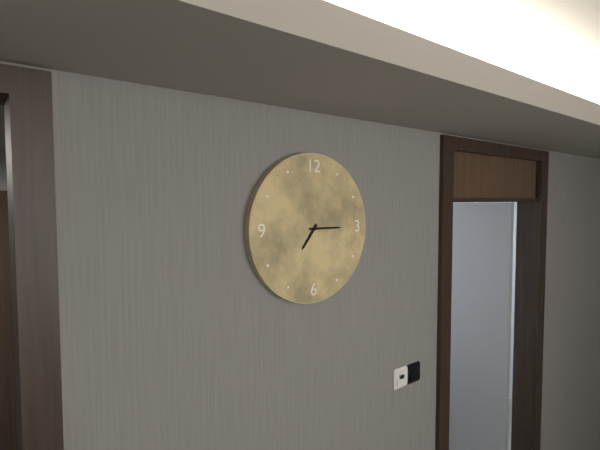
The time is **7:15**
